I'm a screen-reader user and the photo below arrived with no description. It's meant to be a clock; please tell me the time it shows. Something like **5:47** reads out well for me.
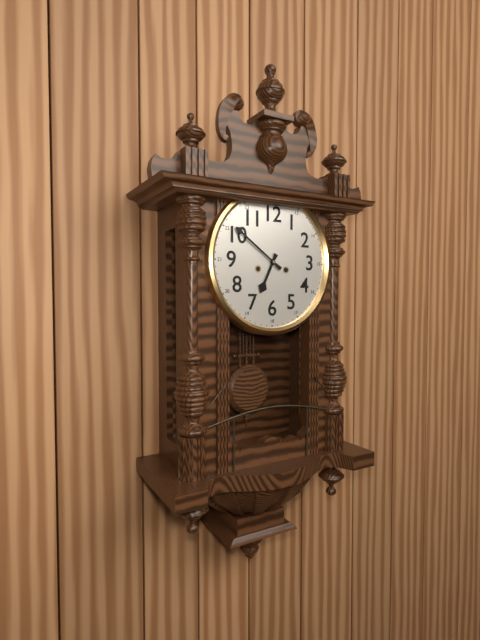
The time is **6:51**
